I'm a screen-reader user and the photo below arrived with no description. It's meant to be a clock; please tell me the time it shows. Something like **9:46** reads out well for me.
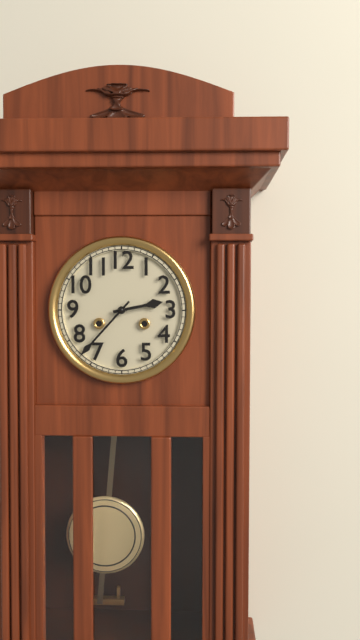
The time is **2:37**
